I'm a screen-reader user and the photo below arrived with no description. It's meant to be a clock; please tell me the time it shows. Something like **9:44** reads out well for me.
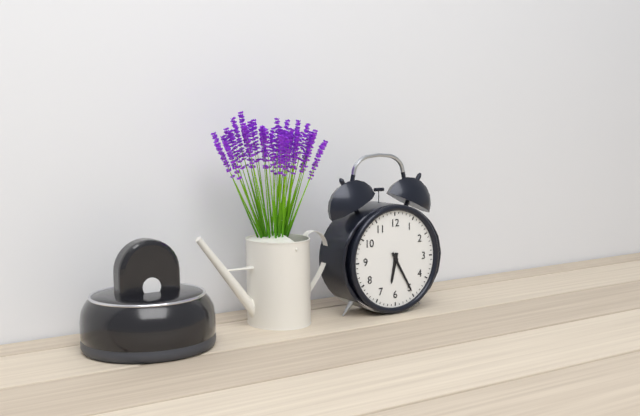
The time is **6:25**
